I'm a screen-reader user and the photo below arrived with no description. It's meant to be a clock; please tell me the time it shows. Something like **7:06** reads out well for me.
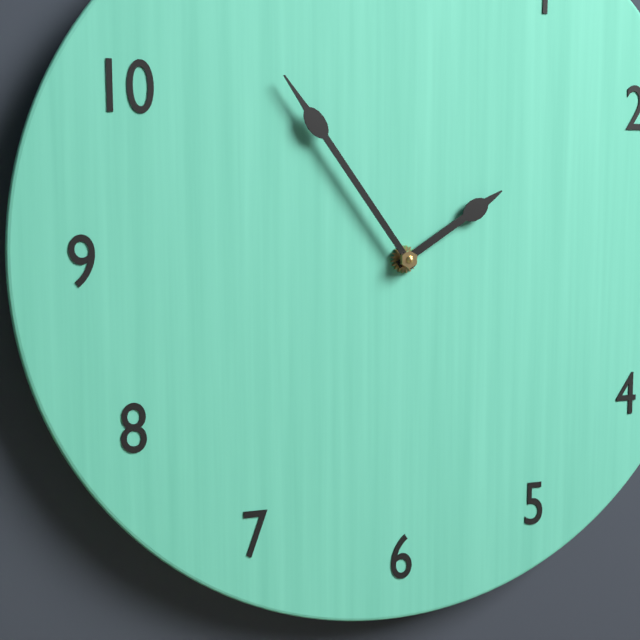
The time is **1:54**
